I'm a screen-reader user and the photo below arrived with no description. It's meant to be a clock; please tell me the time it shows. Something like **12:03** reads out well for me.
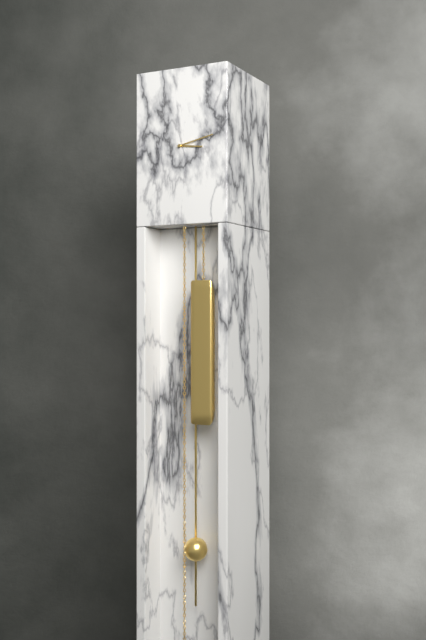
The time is **3:13**
